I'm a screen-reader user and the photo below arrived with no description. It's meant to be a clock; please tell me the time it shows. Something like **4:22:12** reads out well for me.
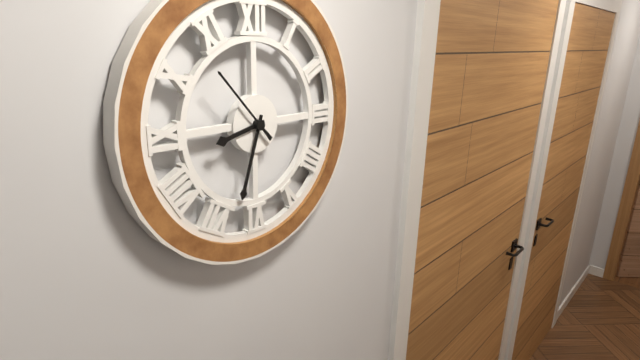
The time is **8:33:53**
